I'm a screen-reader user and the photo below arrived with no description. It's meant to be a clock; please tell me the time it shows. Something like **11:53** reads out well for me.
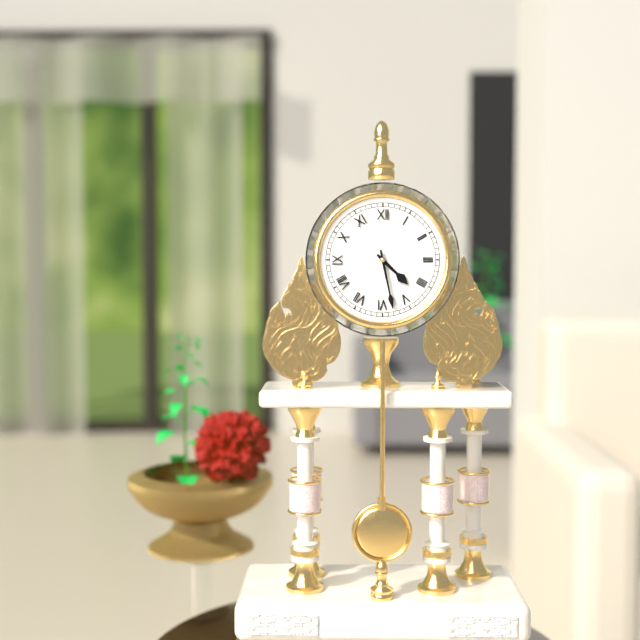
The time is **4:28**
